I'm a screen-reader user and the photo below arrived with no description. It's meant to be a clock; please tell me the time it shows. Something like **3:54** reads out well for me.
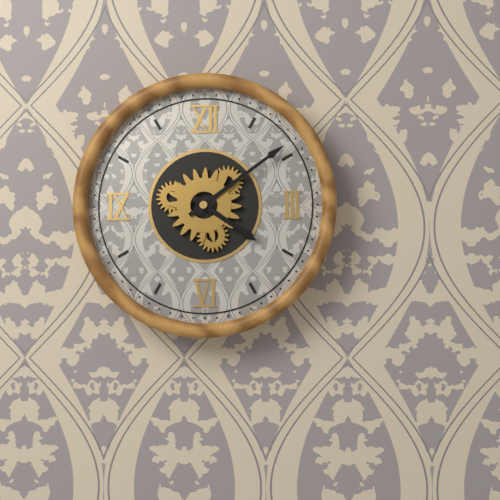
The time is **4:09**
